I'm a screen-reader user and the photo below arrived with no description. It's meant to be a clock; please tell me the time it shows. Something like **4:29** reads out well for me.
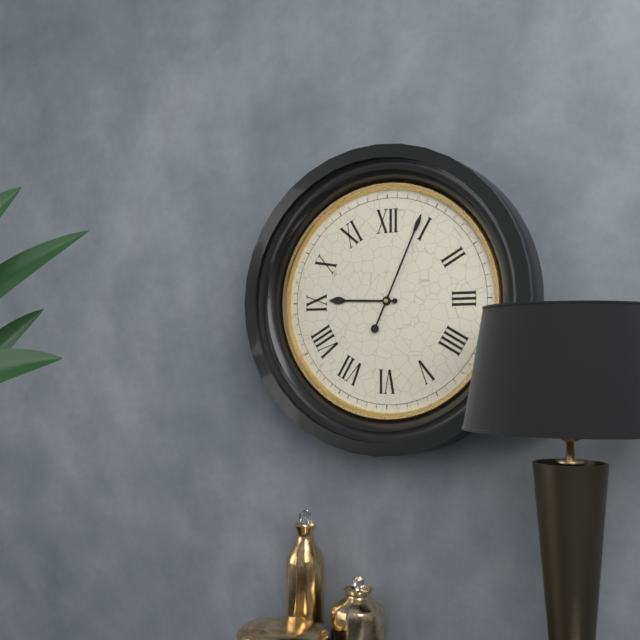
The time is **9:04**
